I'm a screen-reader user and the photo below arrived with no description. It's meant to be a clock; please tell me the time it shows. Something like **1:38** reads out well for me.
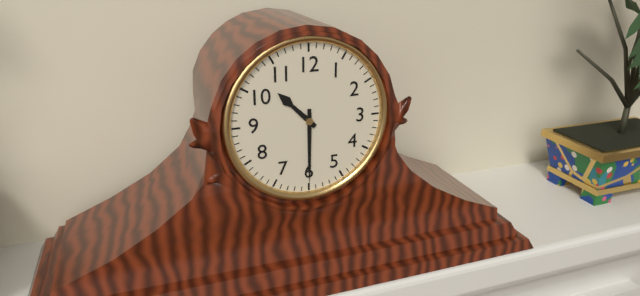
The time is **10:30**
